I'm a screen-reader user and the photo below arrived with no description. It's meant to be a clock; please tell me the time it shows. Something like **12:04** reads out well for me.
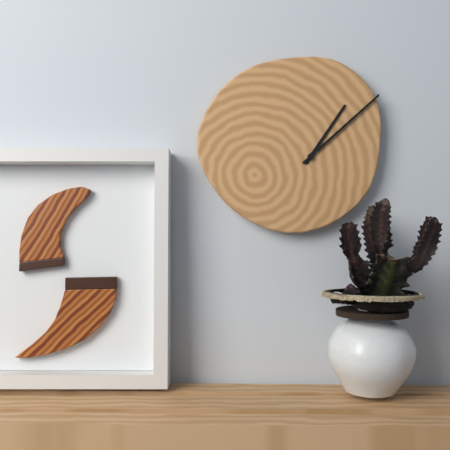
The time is **1:08**
